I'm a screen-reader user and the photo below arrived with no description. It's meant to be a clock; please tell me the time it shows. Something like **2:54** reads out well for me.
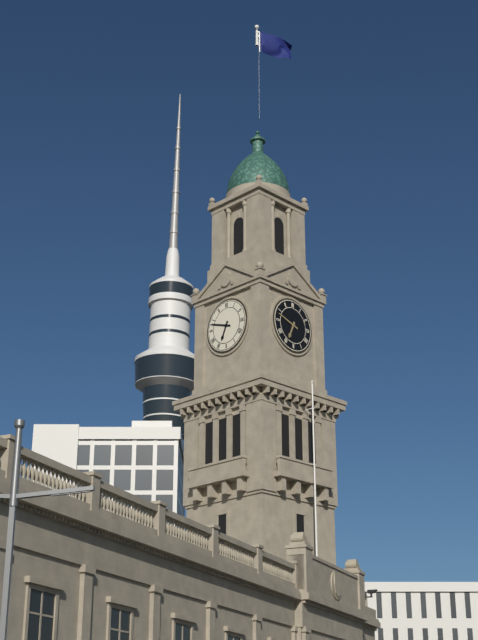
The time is **6:48**
